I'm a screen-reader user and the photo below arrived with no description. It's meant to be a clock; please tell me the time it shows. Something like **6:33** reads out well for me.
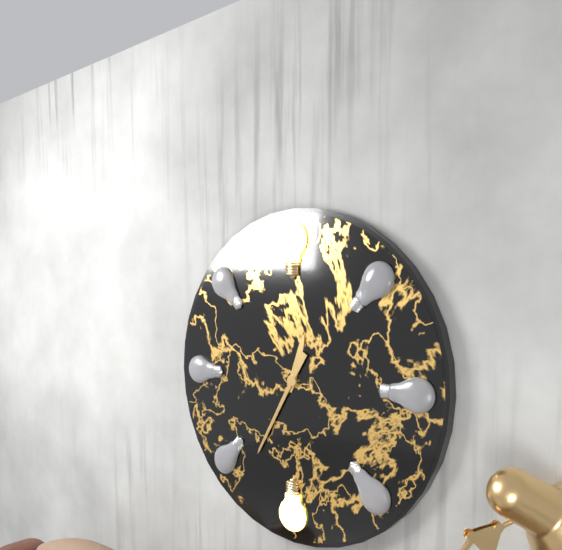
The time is **12:35**
